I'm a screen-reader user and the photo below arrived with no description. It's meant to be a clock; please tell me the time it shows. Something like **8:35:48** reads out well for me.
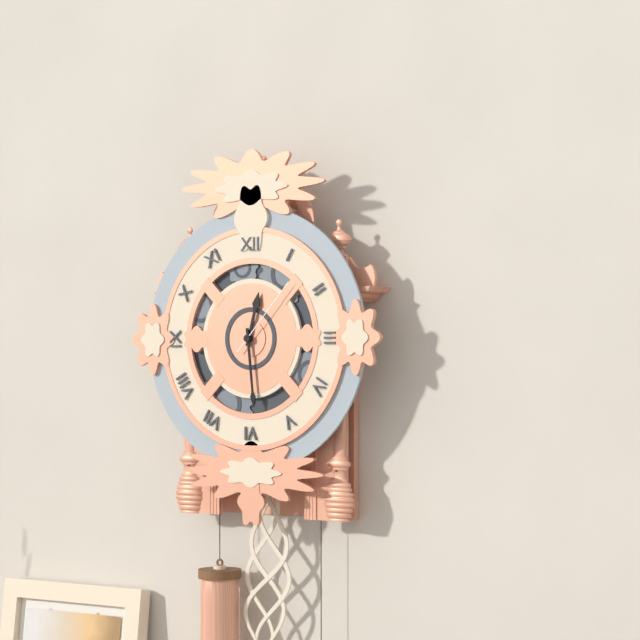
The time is **12:29:07**
